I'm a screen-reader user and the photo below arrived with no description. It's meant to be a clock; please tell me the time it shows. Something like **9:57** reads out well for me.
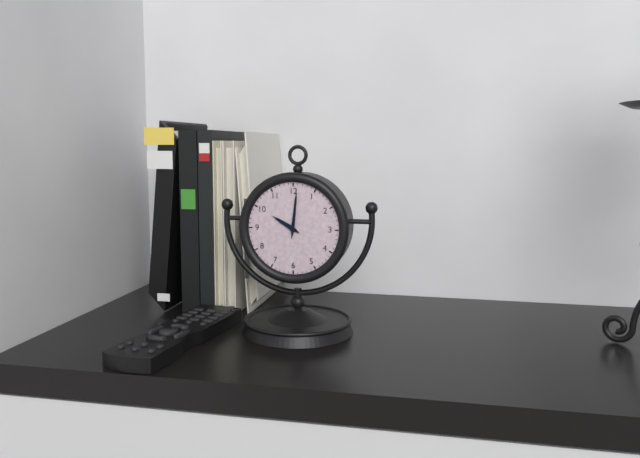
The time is **10:01**
